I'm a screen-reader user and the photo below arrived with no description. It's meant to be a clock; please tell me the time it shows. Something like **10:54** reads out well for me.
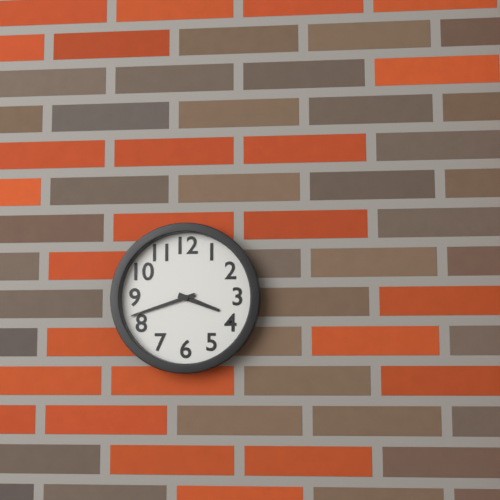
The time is **3:42**
